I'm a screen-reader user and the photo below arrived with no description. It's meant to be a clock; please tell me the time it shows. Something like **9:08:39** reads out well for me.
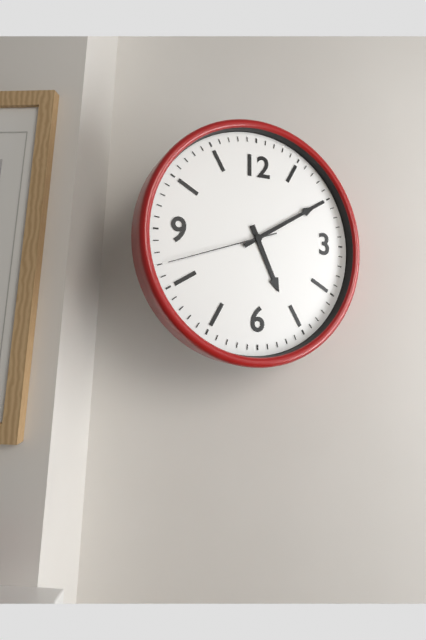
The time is **5:10:42**
